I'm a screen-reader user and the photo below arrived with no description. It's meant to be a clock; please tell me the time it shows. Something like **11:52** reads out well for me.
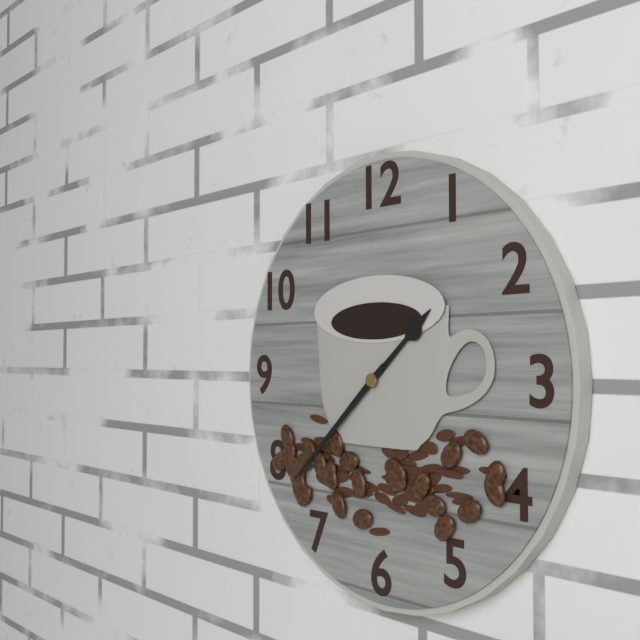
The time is **1:38**
